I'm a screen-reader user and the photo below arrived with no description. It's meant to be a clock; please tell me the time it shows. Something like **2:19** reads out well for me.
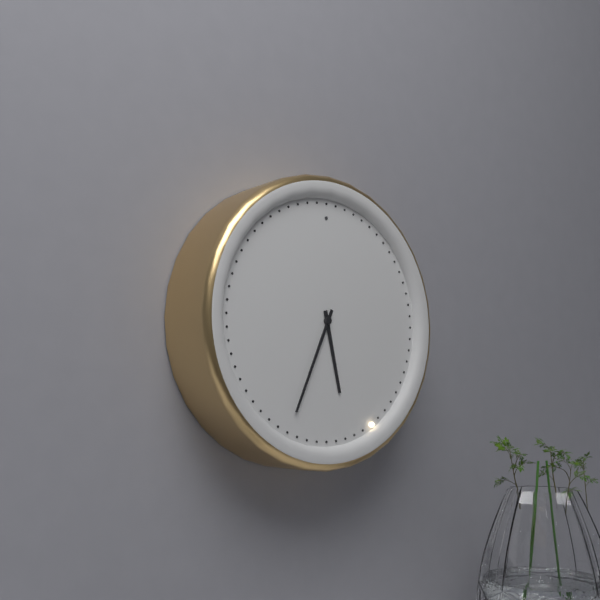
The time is **5:34**
